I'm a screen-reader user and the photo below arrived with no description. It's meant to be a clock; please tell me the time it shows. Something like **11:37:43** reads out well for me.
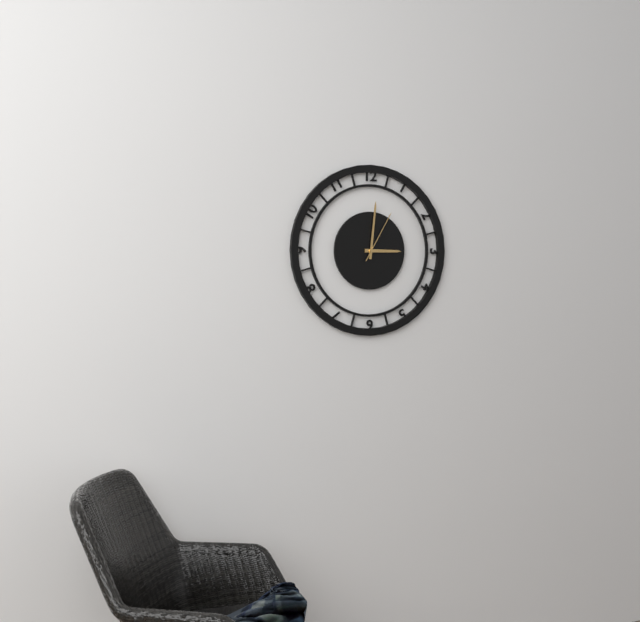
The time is **3:01:05**
